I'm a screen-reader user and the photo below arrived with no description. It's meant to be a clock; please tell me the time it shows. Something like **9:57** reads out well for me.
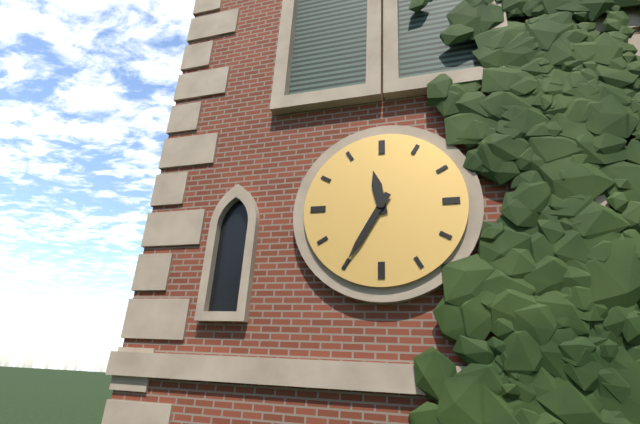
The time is **11:35**
